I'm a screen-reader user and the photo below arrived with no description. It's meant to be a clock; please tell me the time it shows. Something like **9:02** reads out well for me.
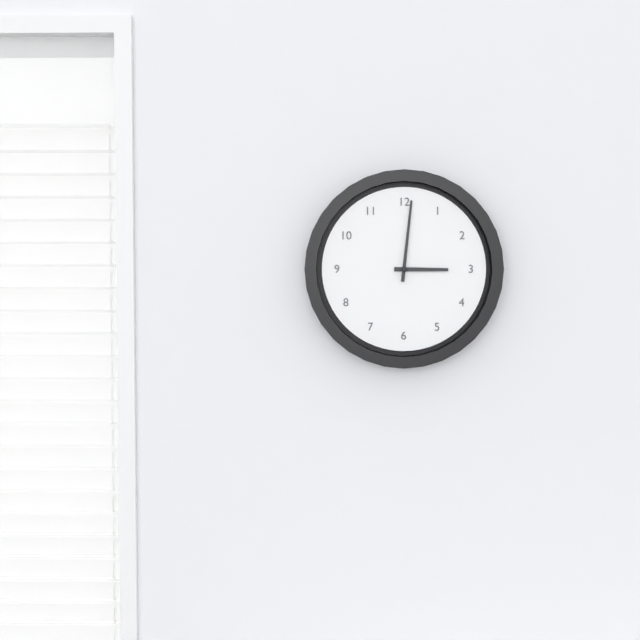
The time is **3:01**
